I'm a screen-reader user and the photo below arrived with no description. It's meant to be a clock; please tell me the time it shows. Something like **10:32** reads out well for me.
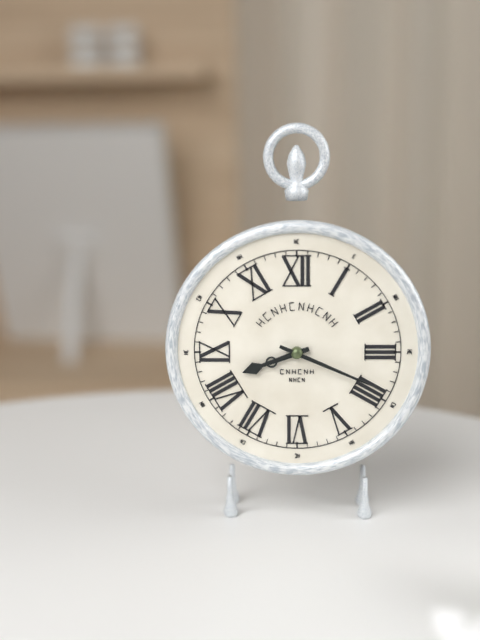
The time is **8:19**
